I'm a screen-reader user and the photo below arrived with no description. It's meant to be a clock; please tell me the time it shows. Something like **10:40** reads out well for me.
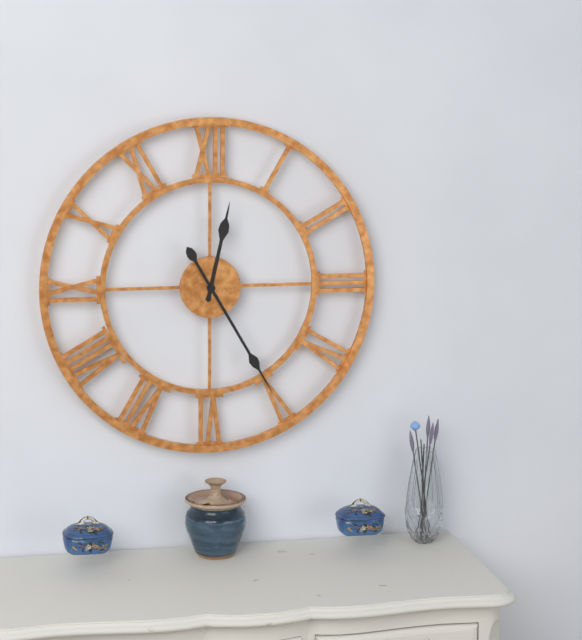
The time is **12:25**
